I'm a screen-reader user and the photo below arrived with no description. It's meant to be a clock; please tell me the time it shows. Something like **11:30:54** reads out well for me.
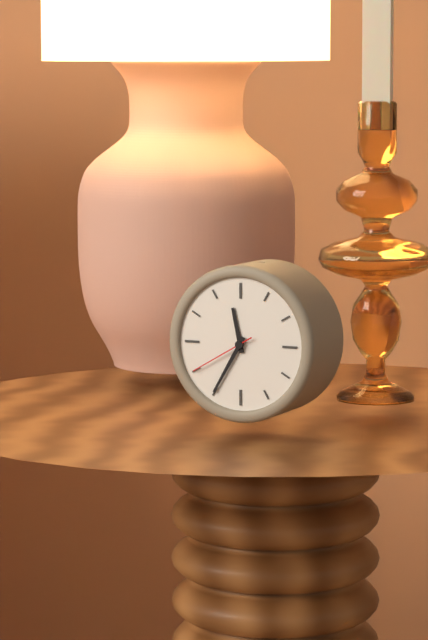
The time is **11:35:40**
